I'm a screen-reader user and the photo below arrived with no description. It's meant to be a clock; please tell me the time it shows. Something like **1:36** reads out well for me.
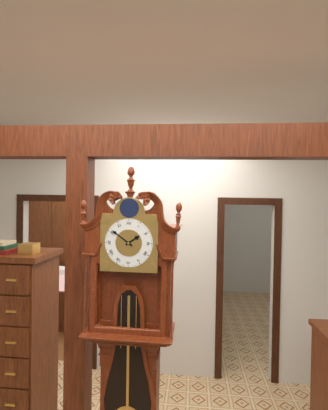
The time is **1:51**
